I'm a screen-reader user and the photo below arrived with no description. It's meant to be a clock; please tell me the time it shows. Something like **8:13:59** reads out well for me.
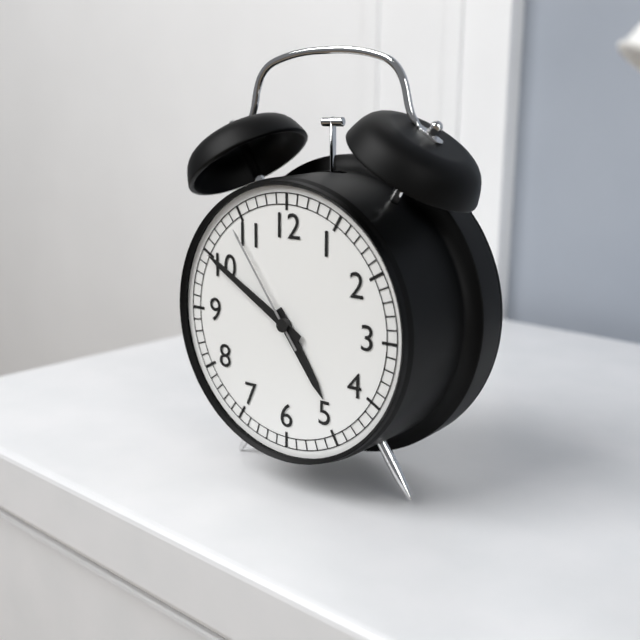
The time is **4:50:54**
